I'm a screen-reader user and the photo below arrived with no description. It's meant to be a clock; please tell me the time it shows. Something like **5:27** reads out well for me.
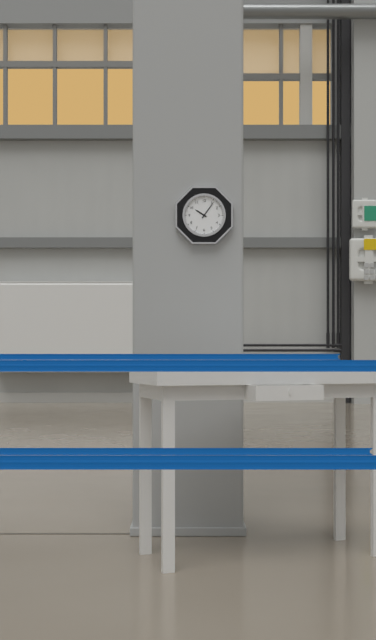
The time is **10:06**
